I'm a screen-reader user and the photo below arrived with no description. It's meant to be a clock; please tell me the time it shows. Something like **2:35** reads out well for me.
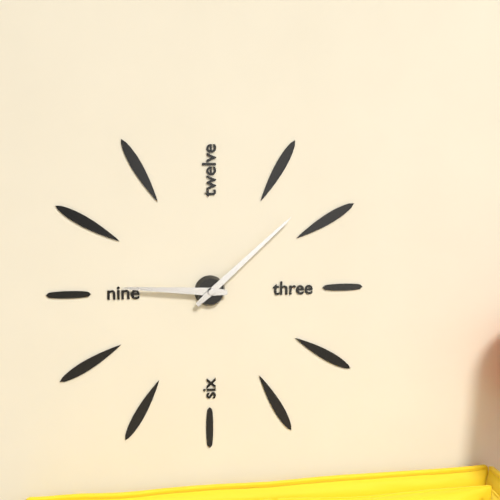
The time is **9:08**
